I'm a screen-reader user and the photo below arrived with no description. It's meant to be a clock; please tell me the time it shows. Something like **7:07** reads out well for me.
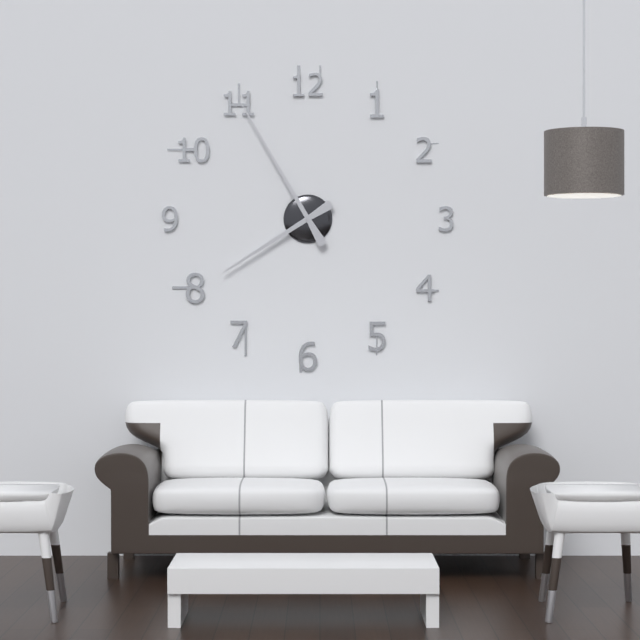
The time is **7:55**
